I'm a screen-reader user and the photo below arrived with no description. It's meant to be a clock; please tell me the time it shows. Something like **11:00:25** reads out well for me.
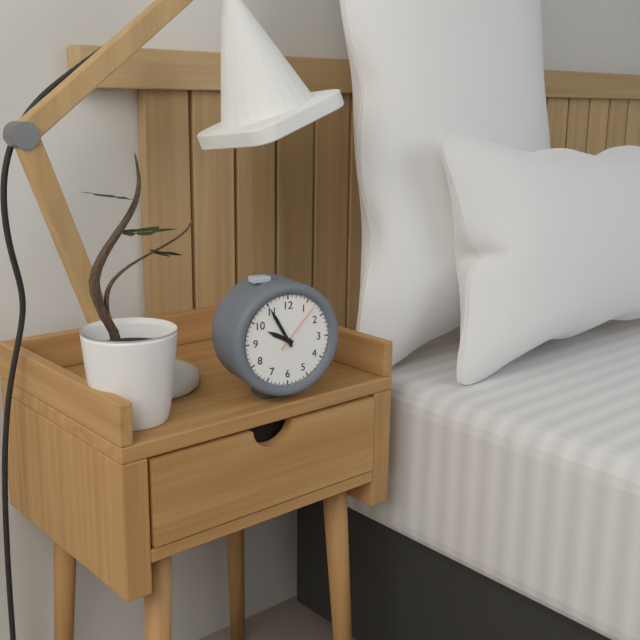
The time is **9:55:07**
